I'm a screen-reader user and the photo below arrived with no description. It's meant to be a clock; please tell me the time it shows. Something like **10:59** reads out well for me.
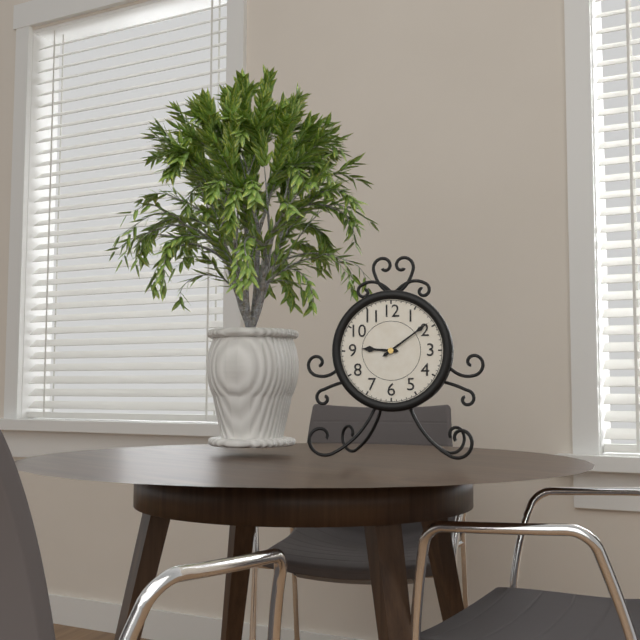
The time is **9:09**
